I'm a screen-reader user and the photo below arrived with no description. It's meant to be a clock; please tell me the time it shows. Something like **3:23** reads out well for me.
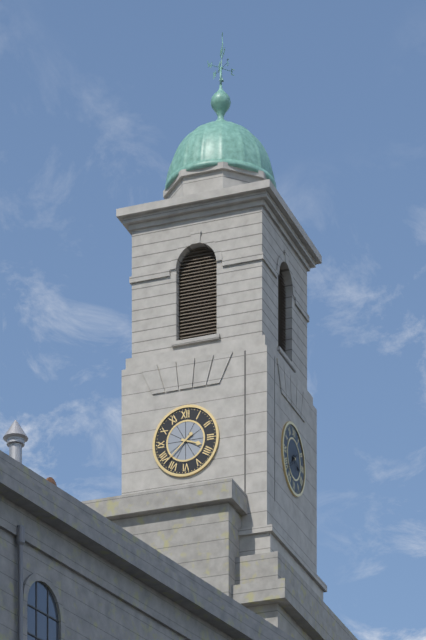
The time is **3:38**
